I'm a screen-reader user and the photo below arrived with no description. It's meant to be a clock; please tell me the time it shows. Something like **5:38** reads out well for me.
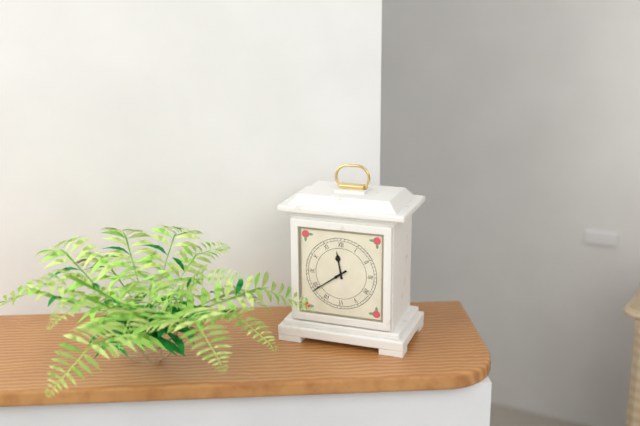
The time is **11:39**
